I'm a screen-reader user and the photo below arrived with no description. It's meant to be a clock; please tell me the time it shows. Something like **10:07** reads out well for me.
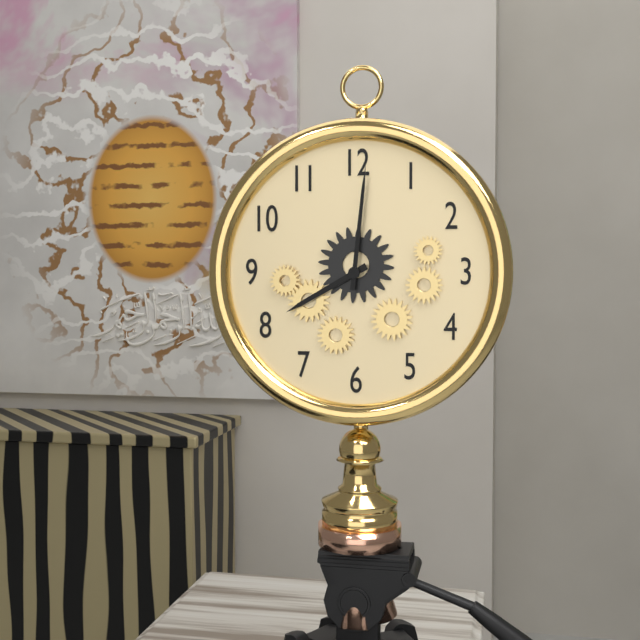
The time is **8:01**
